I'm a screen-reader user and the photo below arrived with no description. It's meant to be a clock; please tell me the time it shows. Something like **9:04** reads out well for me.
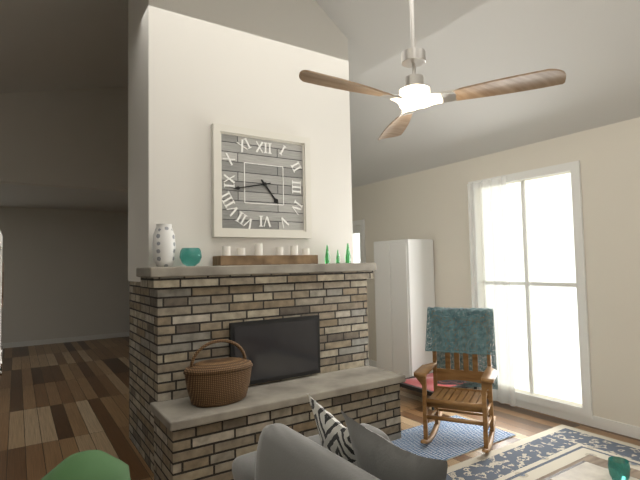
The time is **4:43**
